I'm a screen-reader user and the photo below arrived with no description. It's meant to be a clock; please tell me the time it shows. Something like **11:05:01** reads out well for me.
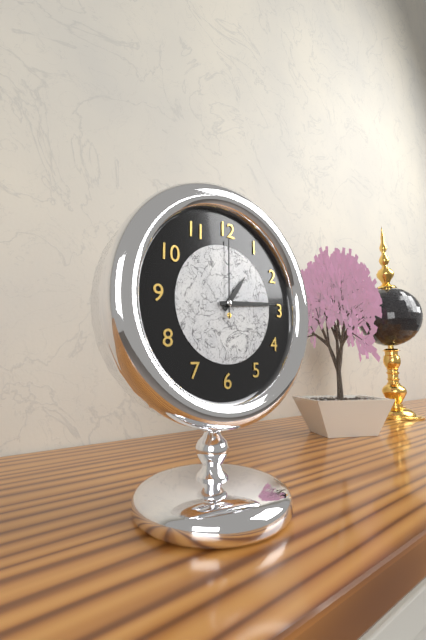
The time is **1:14:00**
